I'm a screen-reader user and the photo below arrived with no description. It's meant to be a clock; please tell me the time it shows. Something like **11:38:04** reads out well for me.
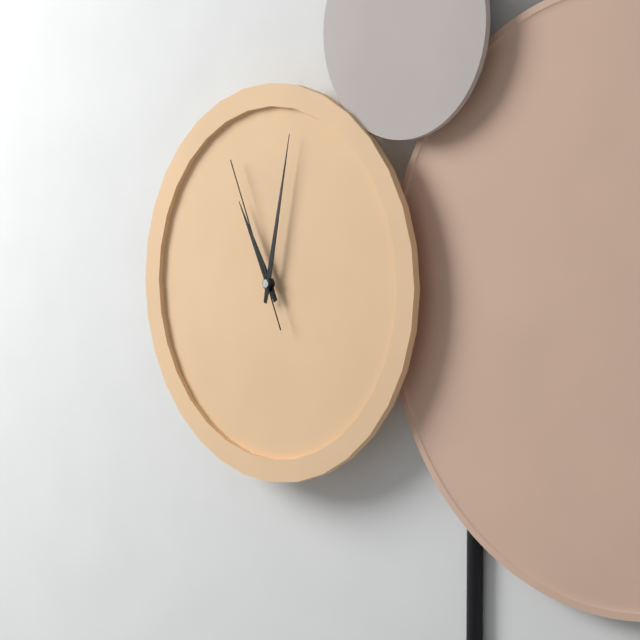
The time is **11:02:56**
